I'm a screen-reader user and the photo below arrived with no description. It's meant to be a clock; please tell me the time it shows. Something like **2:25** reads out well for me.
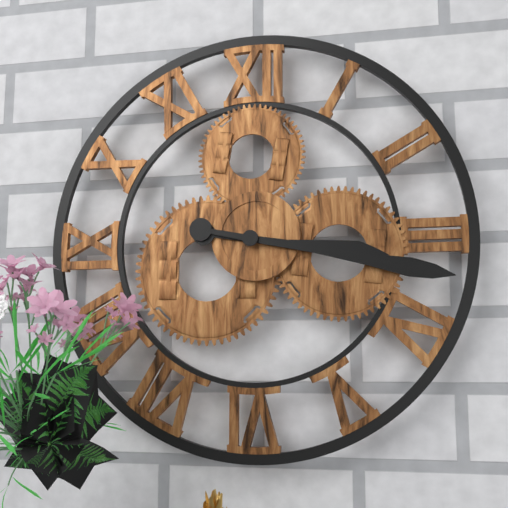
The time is **3:17**
